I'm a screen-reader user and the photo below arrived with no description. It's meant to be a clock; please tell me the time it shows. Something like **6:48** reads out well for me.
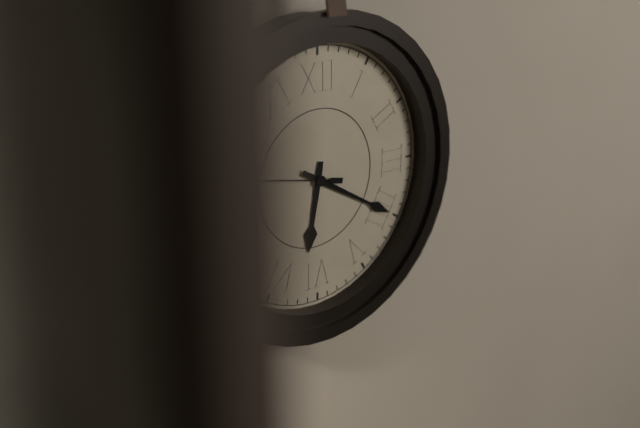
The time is **6:20**
